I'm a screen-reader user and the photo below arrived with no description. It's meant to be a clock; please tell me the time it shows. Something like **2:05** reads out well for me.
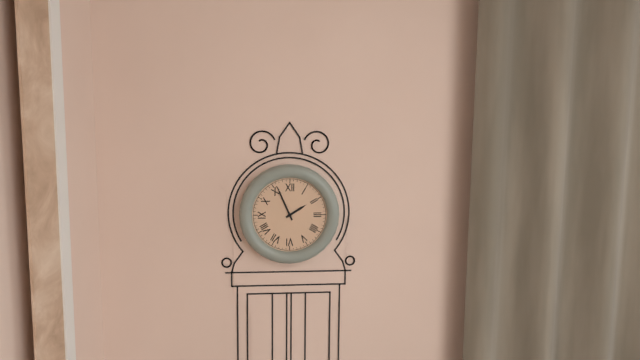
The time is **1:56**
